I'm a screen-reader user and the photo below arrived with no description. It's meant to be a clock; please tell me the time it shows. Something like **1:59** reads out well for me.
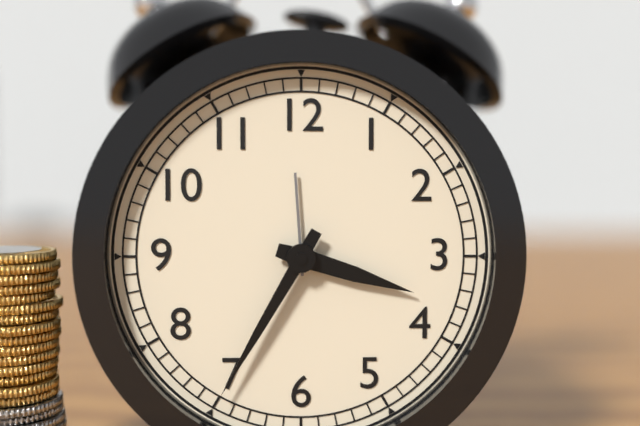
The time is **3:35**
